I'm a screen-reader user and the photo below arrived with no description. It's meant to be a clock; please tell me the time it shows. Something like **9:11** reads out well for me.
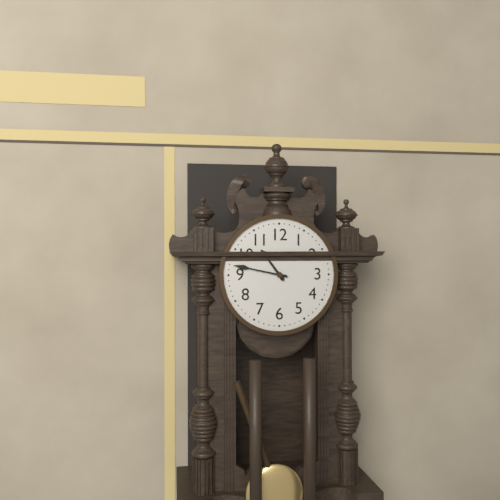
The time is **10:47**
